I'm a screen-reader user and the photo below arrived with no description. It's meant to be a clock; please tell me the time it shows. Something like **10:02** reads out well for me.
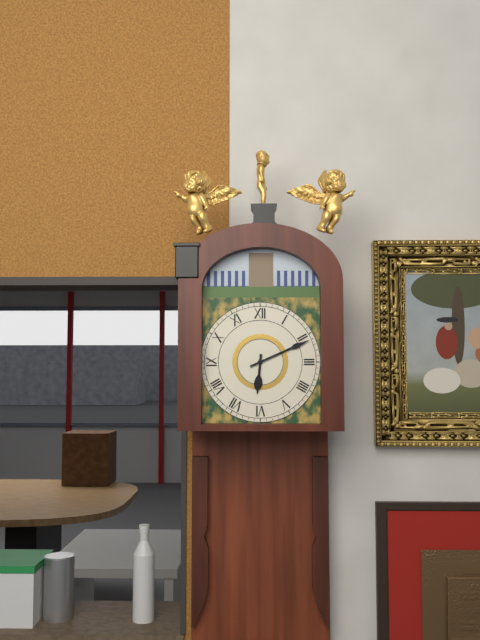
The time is **6:11**
